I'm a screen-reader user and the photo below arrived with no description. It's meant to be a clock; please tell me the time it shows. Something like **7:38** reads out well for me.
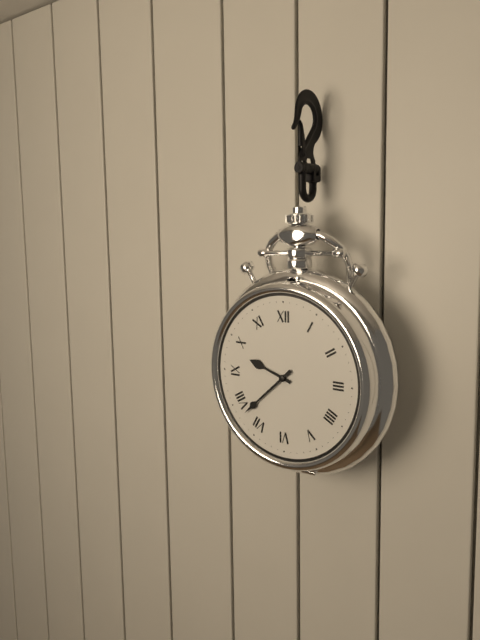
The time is **9:38**
